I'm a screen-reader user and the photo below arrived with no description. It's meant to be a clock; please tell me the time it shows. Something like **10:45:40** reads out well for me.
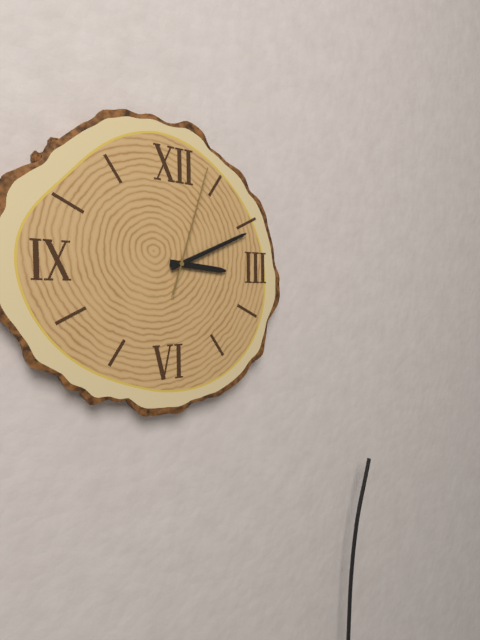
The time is **3:11:03**
